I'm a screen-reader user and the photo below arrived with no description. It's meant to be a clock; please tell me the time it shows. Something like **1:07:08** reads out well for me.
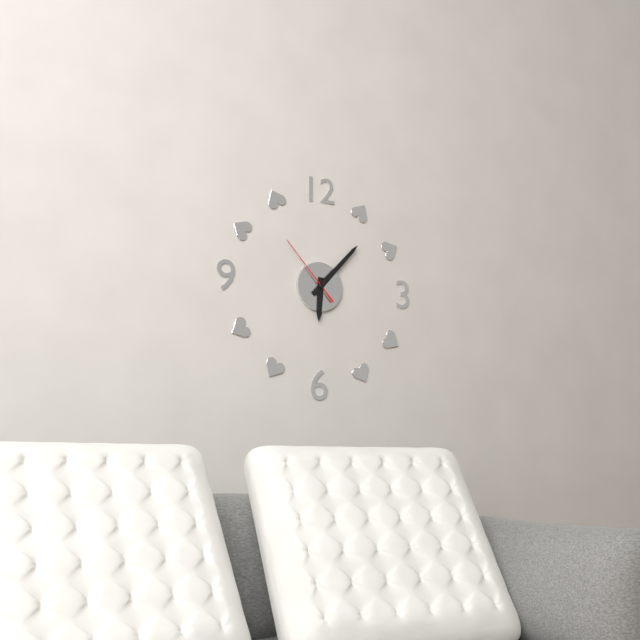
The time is **6:07:53**
